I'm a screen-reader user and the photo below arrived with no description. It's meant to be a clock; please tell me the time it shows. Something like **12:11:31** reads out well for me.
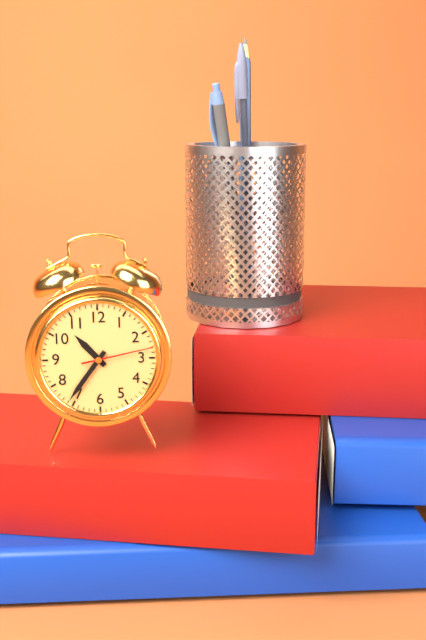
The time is **10:36:13**
